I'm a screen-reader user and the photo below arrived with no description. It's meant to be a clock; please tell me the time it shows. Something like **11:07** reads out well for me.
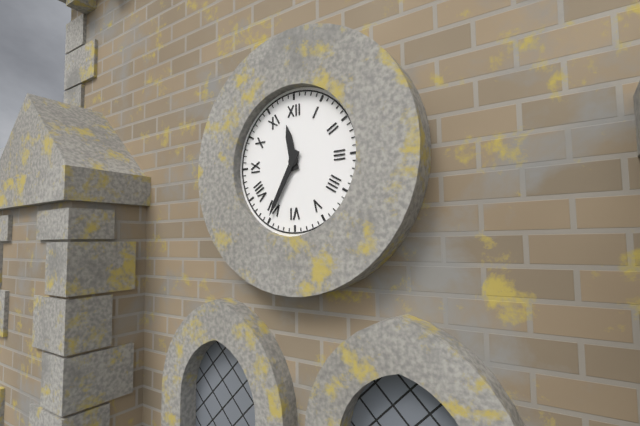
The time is **11:35**
